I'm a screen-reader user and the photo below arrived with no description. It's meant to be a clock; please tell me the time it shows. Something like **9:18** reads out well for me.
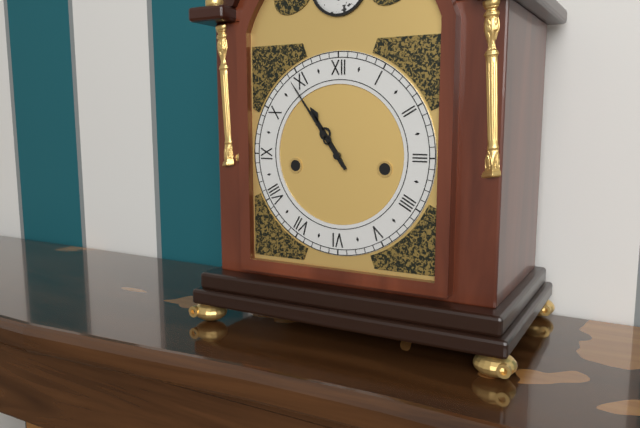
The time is **10:54**
